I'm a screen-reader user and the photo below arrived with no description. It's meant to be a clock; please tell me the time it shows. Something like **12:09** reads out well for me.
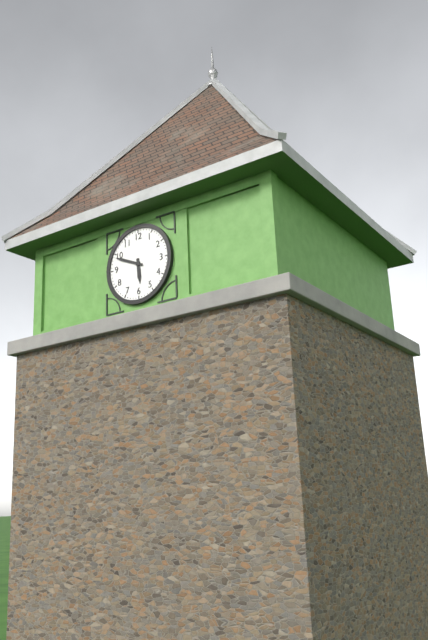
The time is **5:49**
